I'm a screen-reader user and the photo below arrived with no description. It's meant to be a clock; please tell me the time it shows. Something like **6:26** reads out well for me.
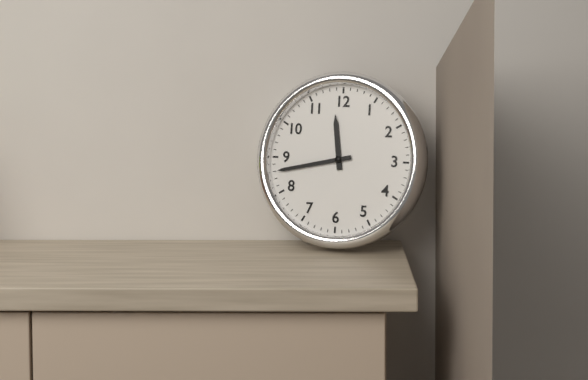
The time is **11:43**
